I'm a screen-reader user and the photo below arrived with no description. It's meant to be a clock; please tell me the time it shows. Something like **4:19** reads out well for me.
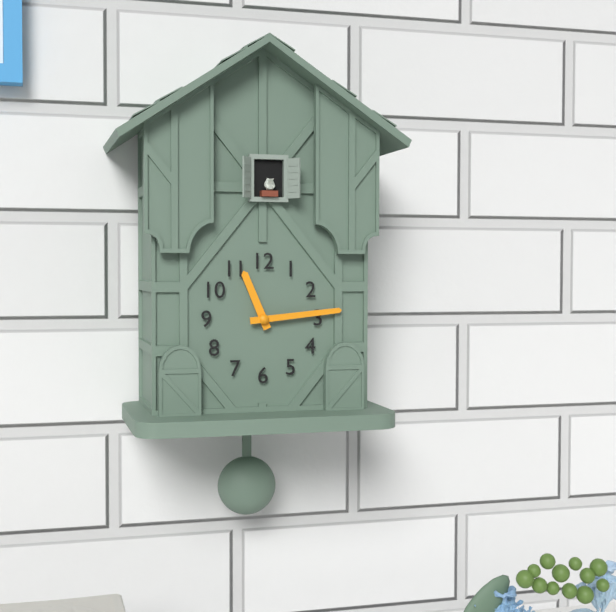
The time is **11:14**
